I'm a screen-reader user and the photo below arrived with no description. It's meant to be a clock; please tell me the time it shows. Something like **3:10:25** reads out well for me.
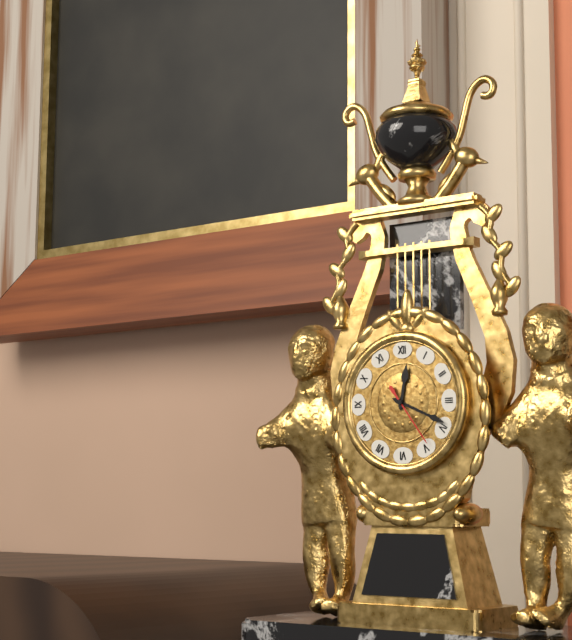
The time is **12:19:24**
